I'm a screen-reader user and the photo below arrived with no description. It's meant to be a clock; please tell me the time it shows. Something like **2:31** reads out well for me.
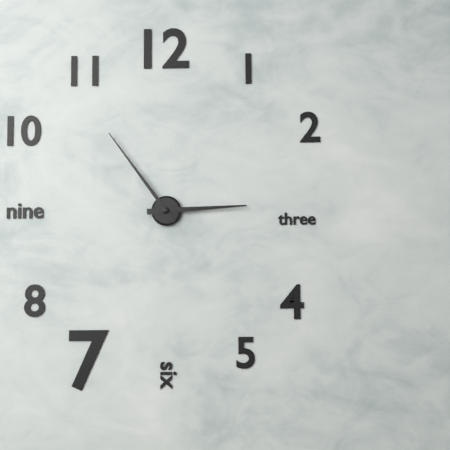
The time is **2:54**
